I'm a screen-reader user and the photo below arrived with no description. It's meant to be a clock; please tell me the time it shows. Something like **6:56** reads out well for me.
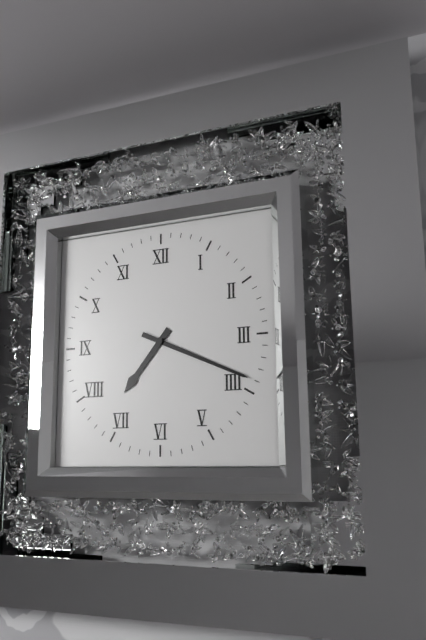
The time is **7:19**
